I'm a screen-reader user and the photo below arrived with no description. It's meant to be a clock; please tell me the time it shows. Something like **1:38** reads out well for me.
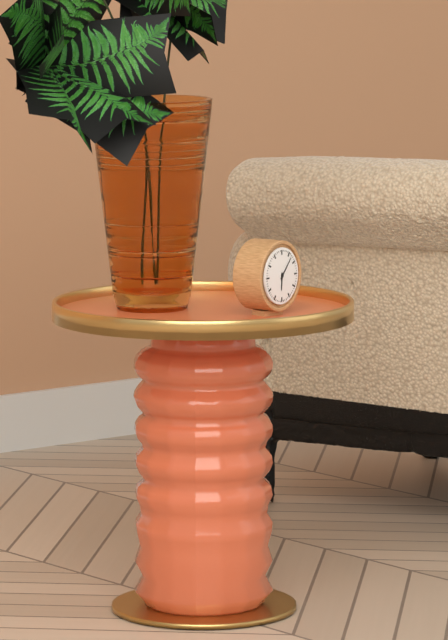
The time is **6:07**
